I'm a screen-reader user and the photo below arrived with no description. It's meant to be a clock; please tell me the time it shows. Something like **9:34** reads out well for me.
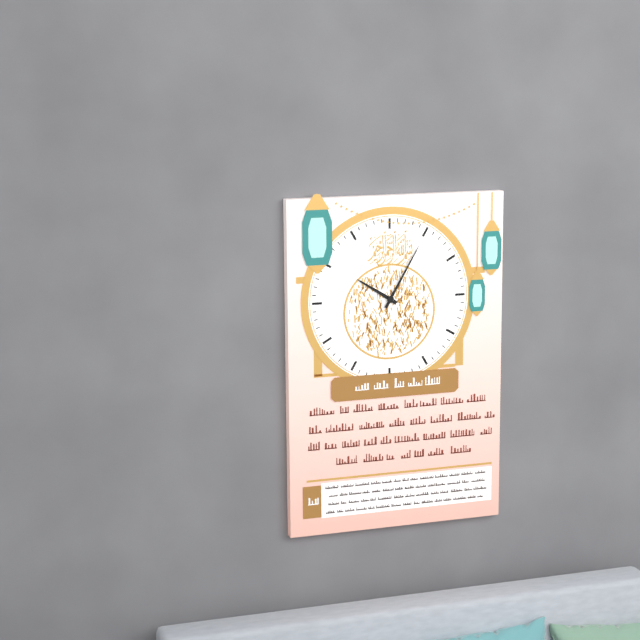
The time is **10:05**
